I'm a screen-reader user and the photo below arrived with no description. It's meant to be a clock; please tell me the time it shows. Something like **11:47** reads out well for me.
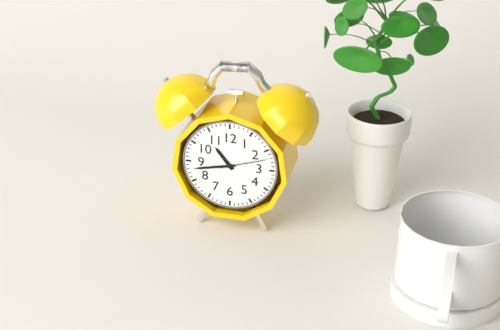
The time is **10:43**
